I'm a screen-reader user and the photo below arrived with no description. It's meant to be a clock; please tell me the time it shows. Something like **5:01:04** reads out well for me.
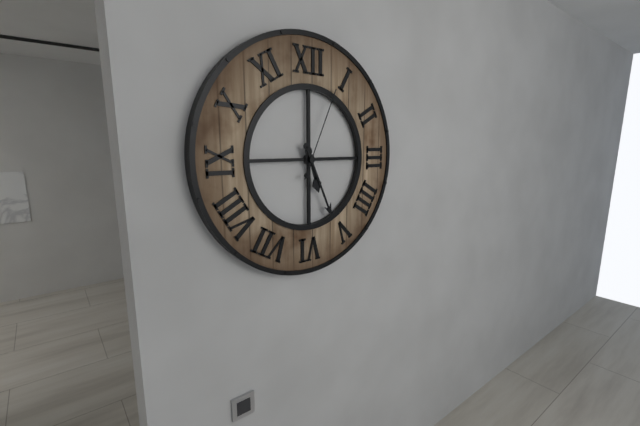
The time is **5:26:04**
